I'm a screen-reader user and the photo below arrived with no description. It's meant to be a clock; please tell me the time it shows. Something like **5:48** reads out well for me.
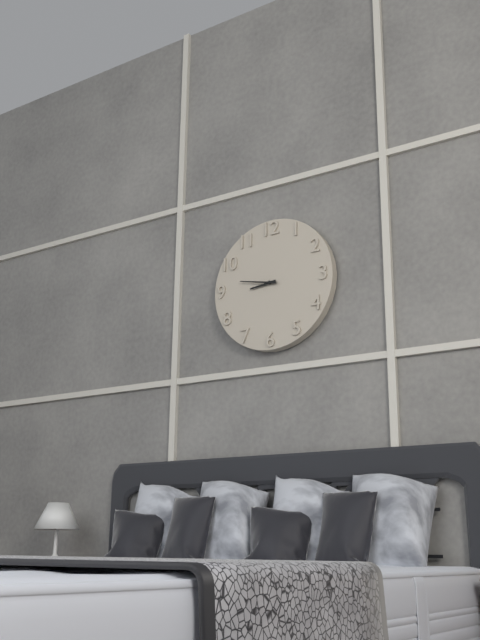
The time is **8:47**
